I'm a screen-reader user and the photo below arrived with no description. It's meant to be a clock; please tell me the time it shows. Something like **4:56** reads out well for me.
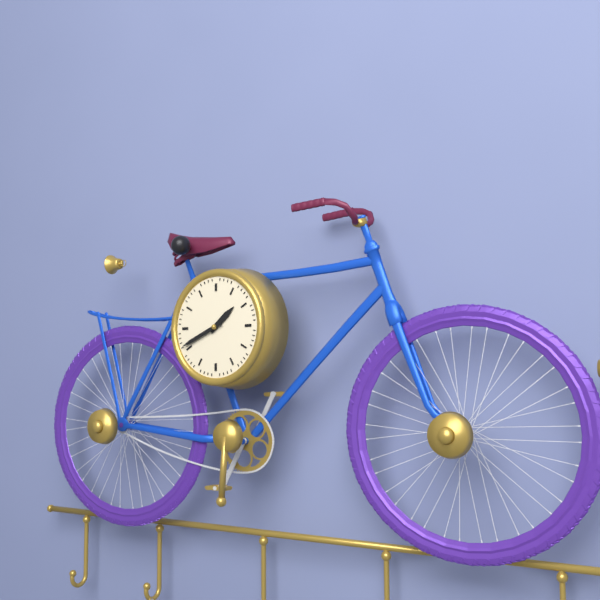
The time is **1:41**
